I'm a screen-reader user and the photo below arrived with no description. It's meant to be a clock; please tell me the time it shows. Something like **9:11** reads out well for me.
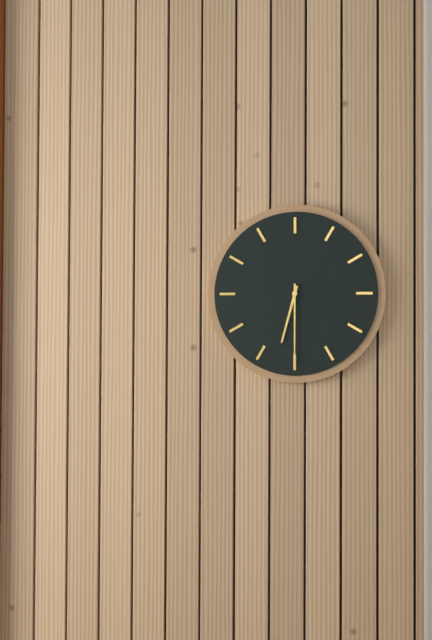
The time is **6:30**
